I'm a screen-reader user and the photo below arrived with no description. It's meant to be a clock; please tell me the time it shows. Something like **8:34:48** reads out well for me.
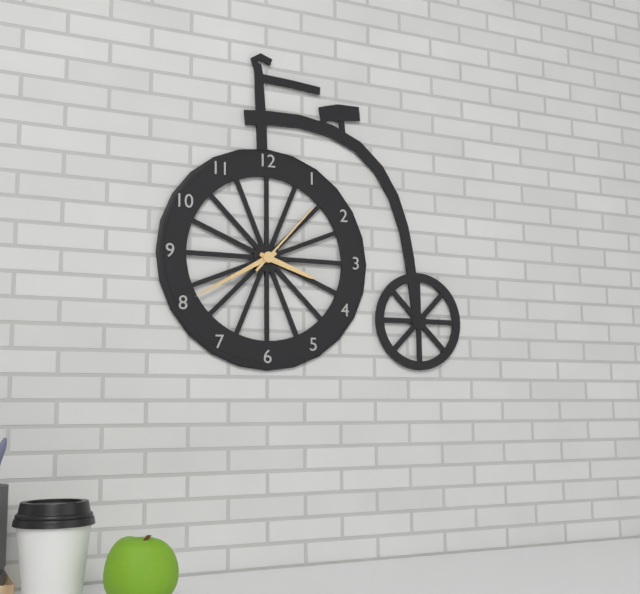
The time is **3:40:07**
